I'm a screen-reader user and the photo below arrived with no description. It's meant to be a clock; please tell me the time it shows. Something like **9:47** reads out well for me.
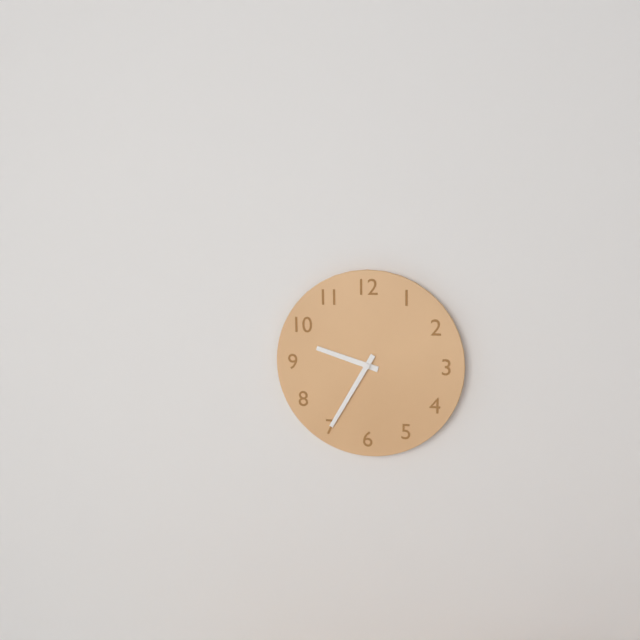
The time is **9:35**
